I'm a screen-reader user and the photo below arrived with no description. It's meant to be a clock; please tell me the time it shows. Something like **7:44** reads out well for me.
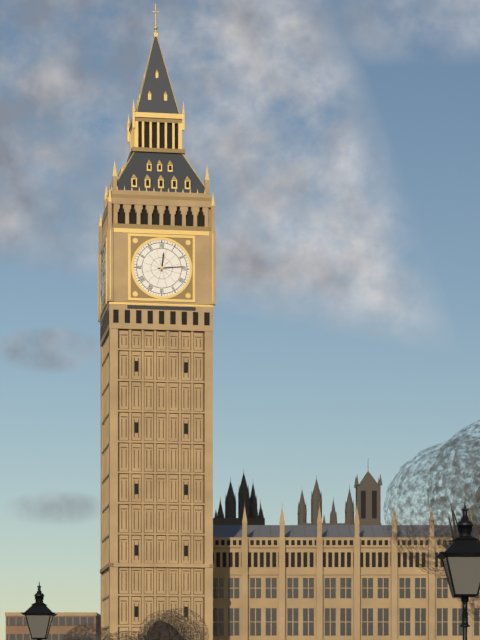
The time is **12:14**
